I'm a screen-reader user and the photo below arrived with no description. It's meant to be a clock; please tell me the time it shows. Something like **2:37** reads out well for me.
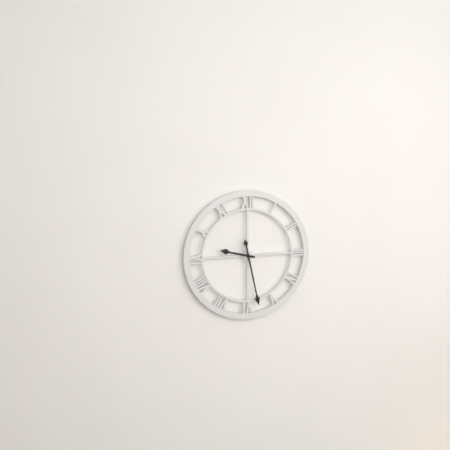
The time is **9:28**
